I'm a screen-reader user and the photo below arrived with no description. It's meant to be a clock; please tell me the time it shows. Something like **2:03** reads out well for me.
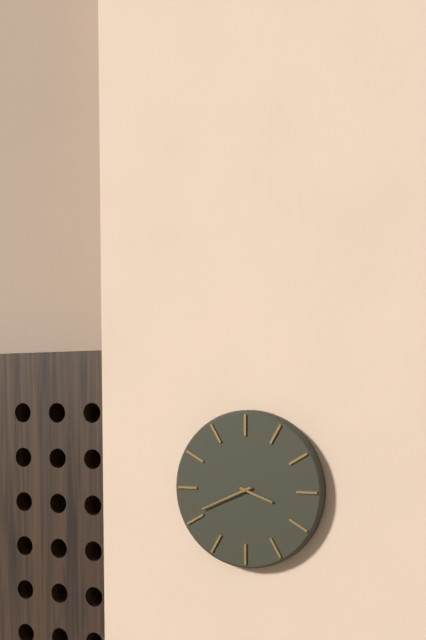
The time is **3:41**
